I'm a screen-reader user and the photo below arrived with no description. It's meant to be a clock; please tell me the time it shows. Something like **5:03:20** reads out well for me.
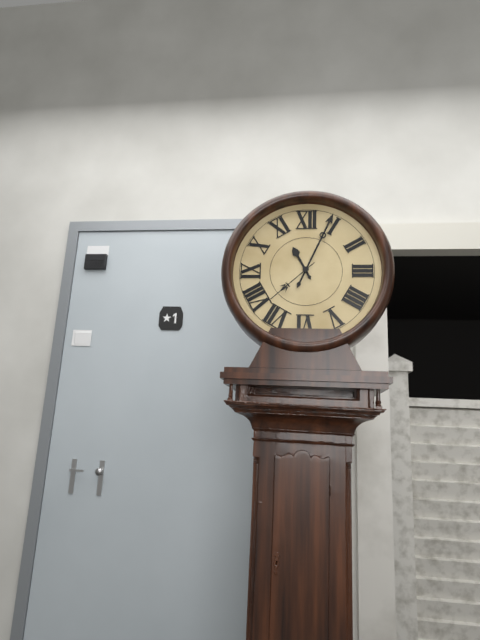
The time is **11:04:38**
